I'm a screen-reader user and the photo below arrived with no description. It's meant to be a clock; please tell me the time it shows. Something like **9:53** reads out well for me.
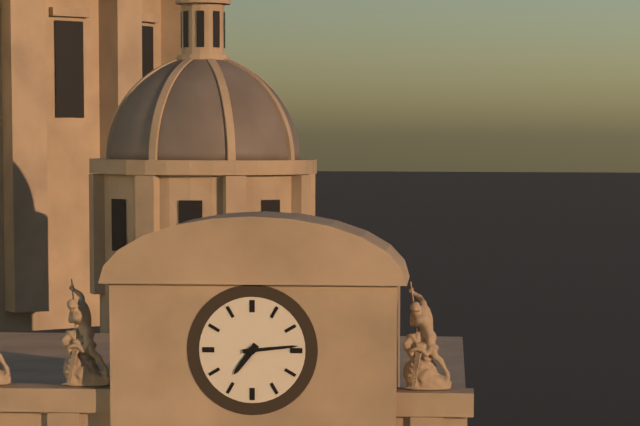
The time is **7:14**
